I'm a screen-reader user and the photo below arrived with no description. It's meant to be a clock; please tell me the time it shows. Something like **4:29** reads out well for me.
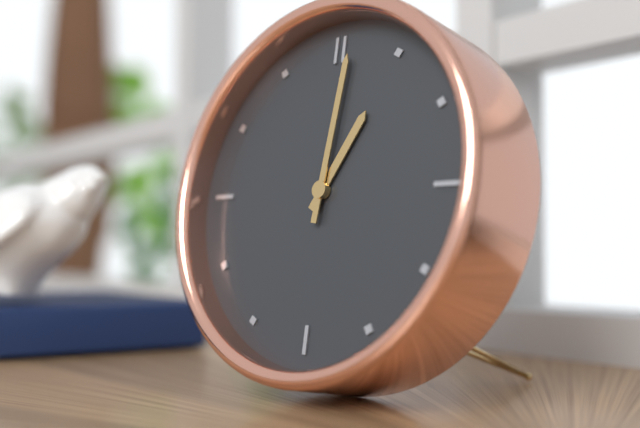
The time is **1:01**
